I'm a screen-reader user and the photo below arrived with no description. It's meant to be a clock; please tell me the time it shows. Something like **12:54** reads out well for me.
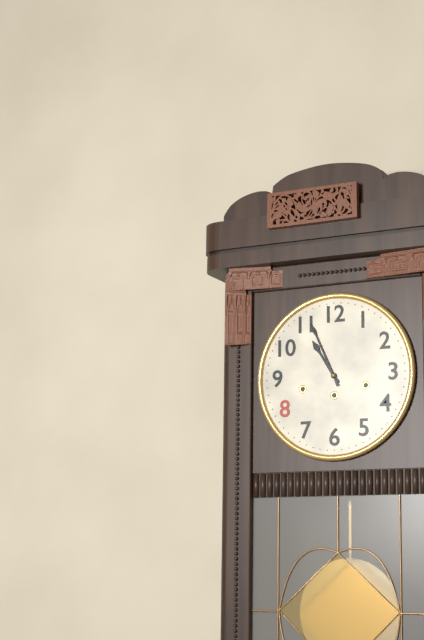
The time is **10:56**
